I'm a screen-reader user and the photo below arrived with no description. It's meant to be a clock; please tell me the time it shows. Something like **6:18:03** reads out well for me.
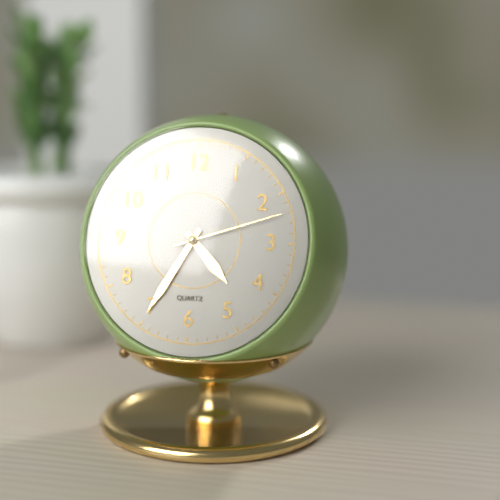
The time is **4:35:12**
